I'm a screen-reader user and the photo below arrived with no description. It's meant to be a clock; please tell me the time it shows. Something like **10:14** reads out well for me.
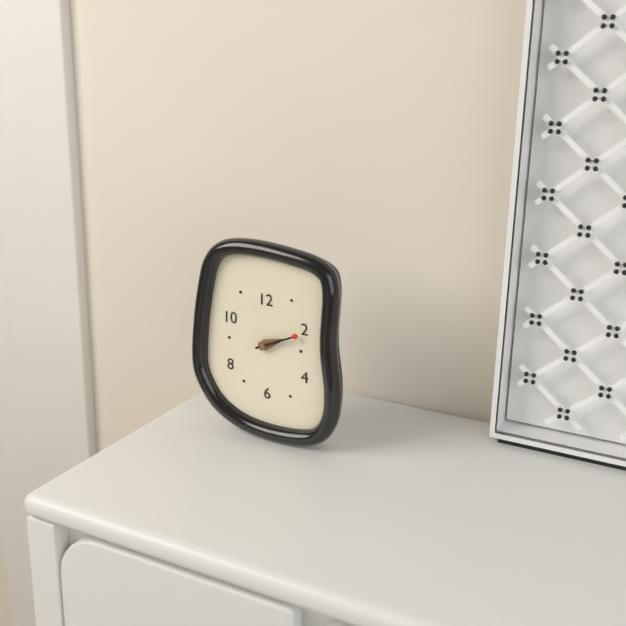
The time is **2:11**
